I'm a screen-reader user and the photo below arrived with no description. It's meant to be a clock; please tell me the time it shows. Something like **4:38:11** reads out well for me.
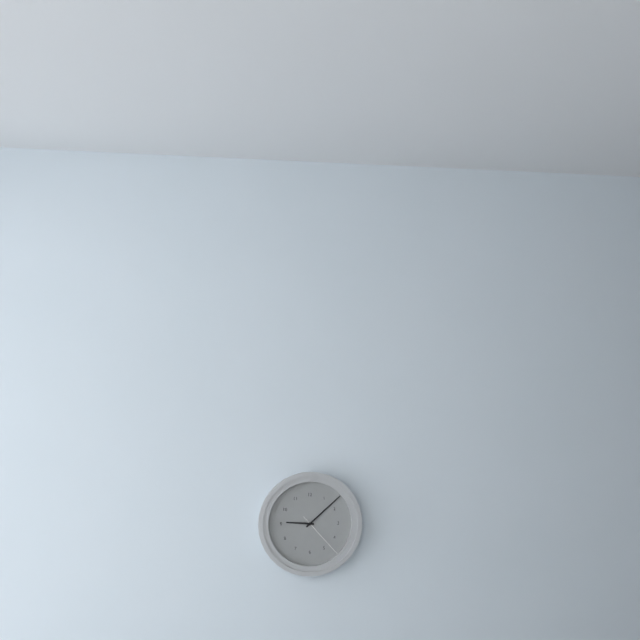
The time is **9:08:23**
